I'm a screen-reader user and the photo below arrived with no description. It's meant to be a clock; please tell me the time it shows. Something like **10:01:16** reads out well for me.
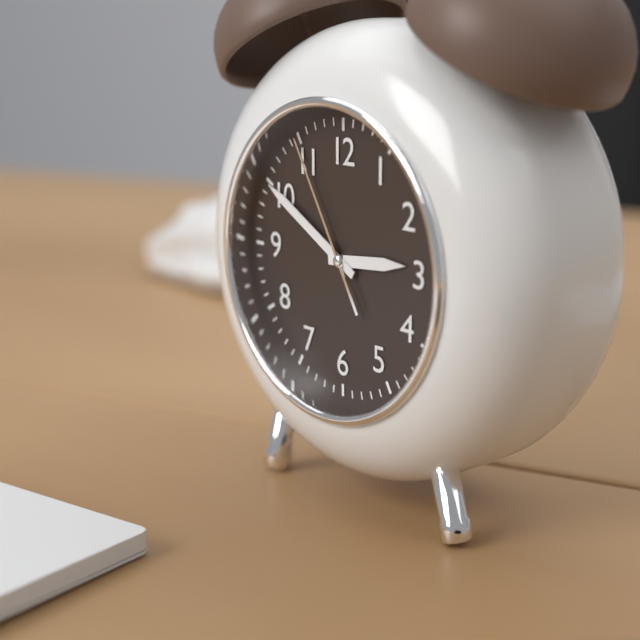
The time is **2:50:55**
